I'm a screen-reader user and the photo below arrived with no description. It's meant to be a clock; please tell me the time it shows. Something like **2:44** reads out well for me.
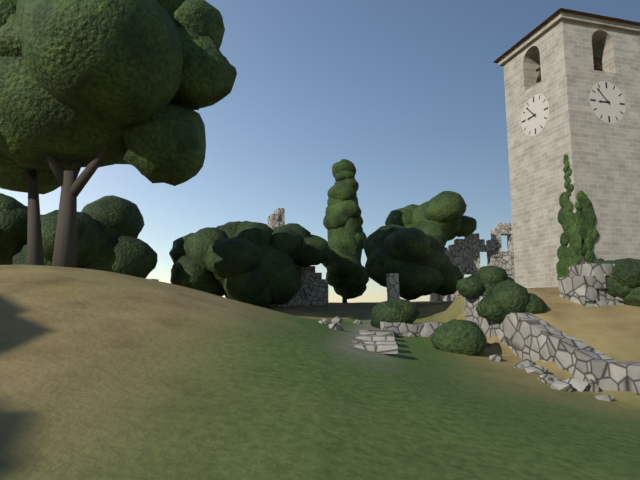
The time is **8:53**
